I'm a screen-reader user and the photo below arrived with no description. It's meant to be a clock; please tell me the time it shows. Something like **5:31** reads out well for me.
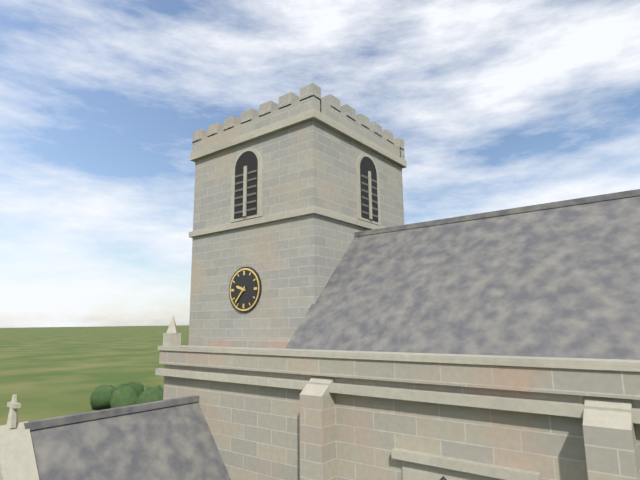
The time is **9:37**
